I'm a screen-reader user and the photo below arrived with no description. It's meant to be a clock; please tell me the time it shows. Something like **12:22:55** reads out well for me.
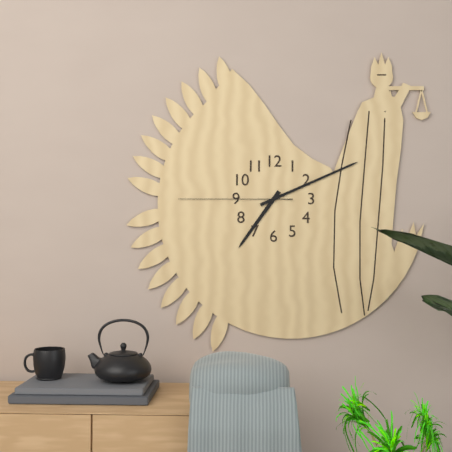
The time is **7:11:45**
